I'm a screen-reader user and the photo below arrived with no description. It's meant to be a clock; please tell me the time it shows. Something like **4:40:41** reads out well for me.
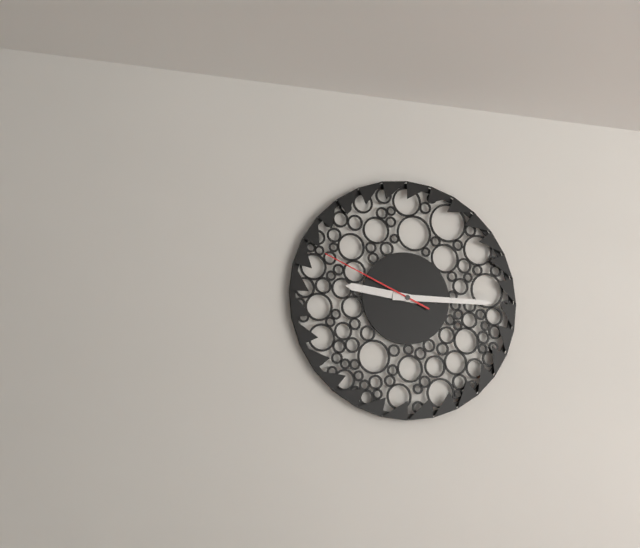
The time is **9:15:49**
